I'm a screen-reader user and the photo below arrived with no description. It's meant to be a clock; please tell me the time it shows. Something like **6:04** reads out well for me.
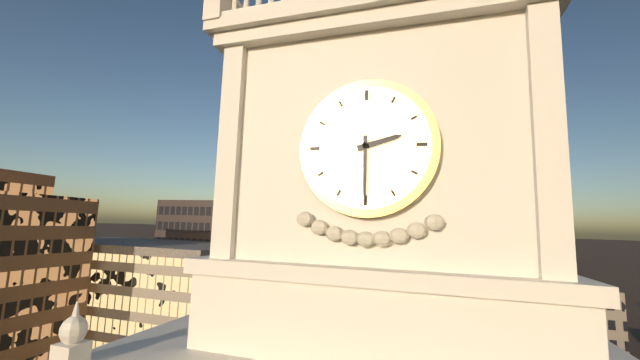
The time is **2:30**
